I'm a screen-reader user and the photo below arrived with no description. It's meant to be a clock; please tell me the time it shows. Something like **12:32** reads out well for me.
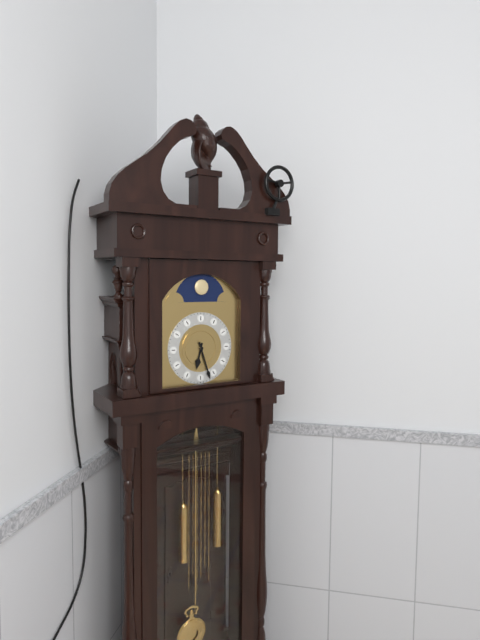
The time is **6:27**
